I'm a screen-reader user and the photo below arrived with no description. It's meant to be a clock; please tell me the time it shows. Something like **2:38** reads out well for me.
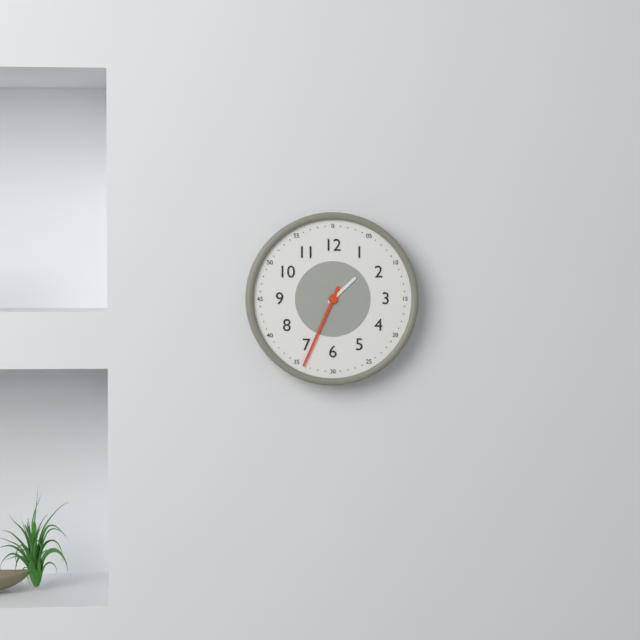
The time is **1:34**
